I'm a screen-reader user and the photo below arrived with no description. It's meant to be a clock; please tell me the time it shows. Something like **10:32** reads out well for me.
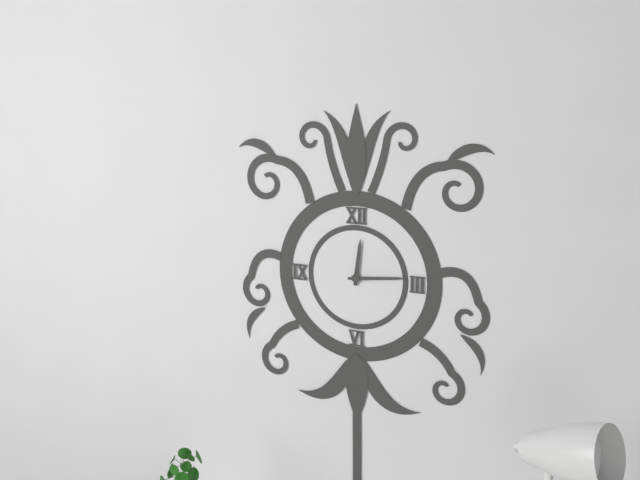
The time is **12:14**
